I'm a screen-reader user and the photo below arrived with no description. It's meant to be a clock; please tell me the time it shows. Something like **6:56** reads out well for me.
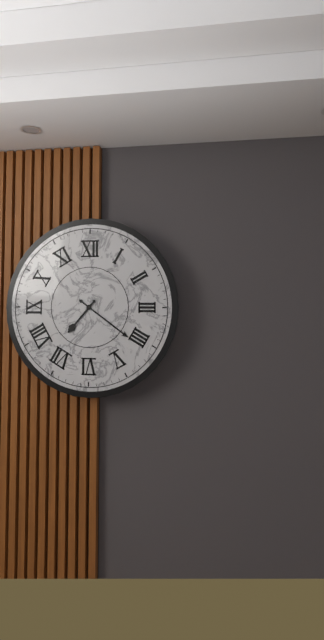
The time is **7:21**
